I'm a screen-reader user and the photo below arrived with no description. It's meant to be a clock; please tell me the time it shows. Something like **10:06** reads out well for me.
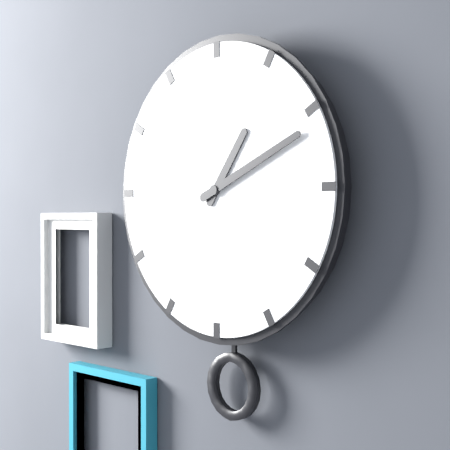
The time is **1:11**
